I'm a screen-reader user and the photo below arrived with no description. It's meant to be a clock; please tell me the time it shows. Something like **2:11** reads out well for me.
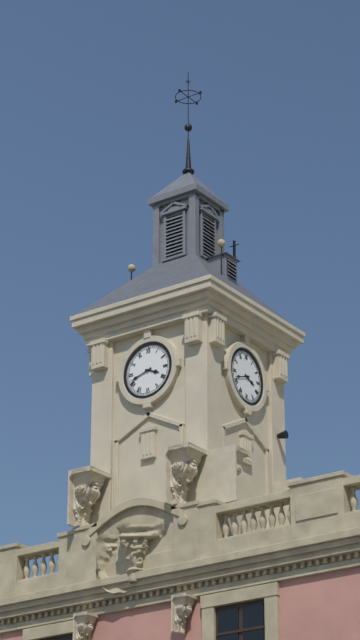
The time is **3:42**
